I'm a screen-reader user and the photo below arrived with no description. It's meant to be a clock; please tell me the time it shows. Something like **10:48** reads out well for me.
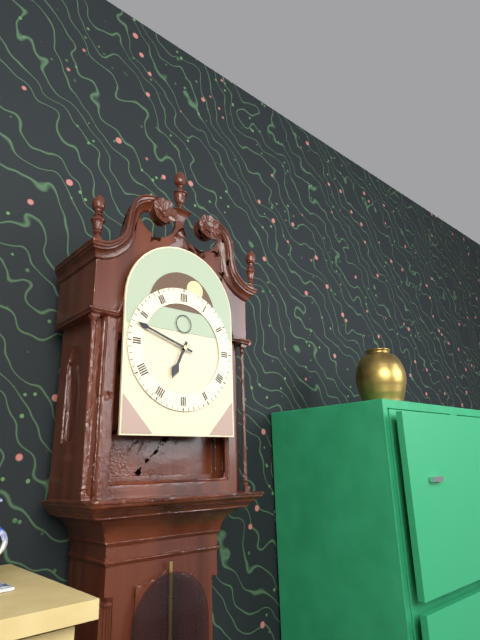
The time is **6:48**
